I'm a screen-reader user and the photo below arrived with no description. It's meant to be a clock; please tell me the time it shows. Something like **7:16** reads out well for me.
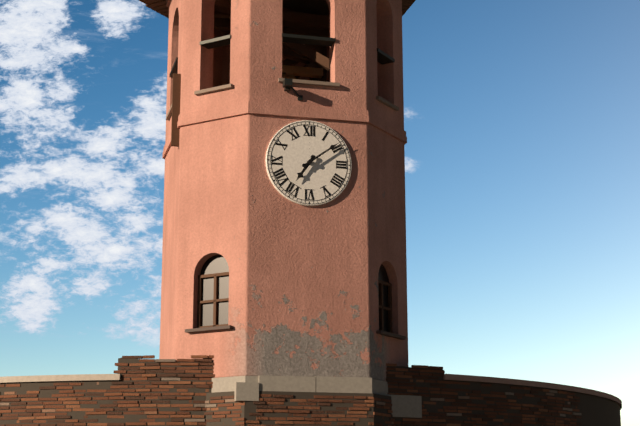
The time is **7:09**
